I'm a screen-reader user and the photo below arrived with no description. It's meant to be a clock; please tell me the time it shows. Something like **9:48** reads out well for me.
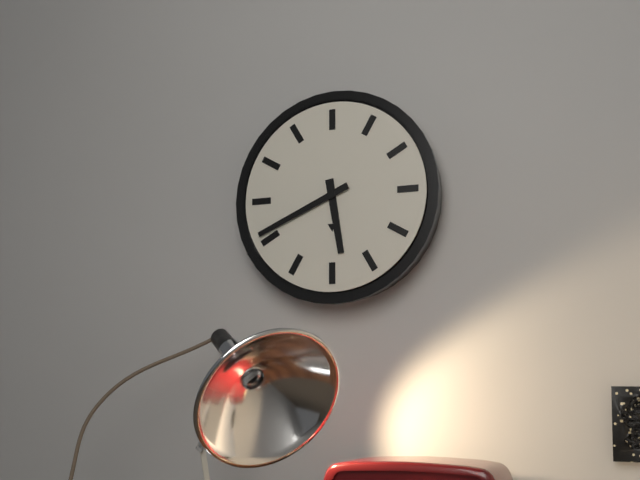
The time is **5:41**
